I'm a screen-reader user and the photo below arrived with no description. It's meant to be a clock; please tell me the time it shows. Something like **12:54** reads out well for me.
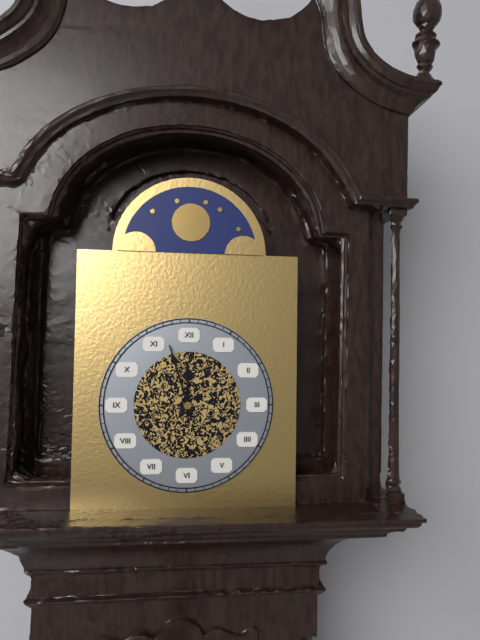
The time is **11:57**
